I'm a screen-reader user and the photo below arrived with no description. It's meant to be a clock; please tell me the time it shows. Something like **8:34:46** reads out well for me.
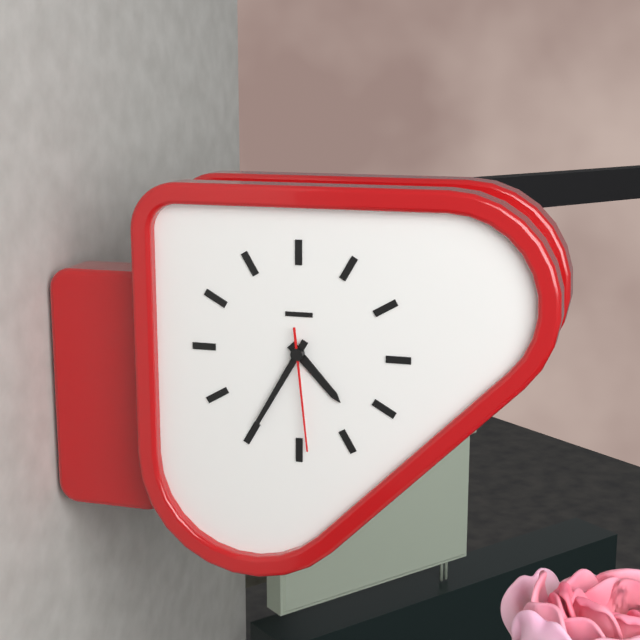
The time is **4:35:29**
